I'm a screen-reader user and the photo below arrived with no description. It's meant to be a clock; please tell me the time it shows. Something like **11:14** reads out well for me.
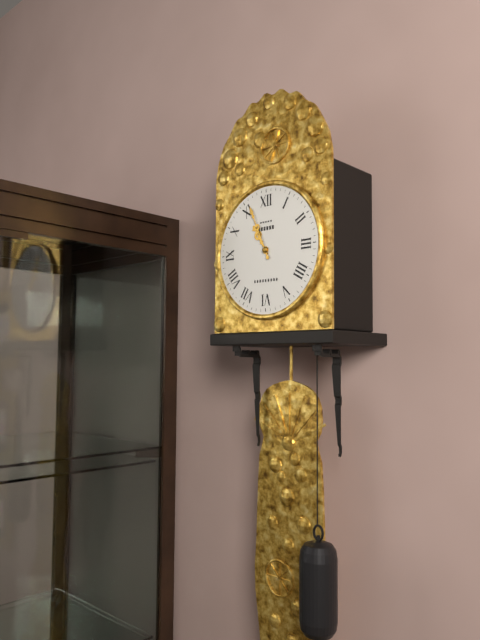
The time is **10:56**
